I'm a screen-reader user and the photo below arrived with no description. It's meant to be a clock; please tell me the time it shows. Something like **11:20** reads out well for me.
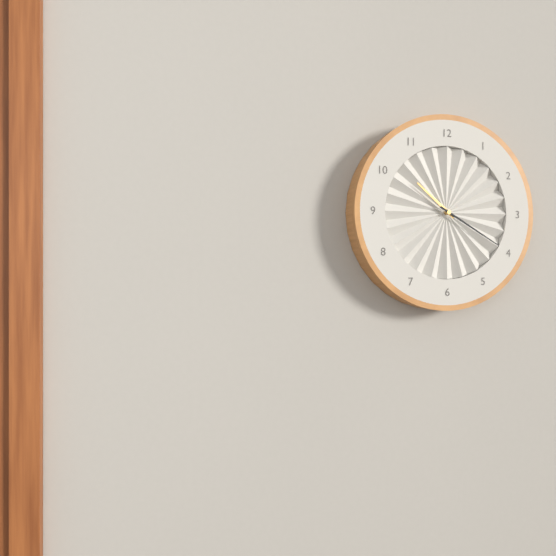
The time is **10:20**
